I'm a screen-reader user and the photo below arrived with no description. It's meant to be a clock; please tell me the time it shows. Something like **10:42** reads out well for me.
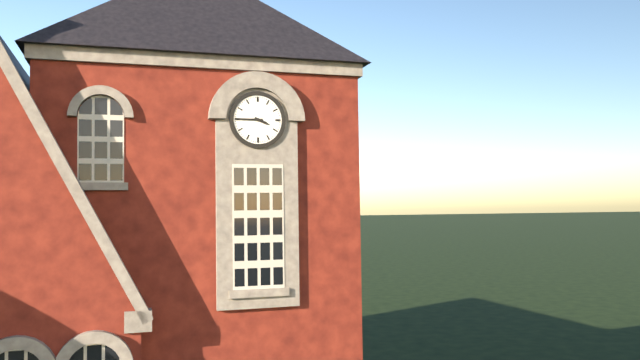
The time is **3:45**
